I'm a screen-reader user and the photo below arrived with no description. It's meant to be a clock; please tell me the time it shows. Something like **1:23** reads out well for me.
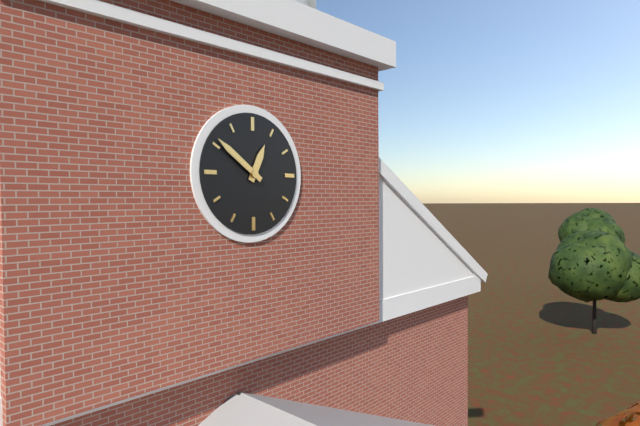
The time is **12:51**
